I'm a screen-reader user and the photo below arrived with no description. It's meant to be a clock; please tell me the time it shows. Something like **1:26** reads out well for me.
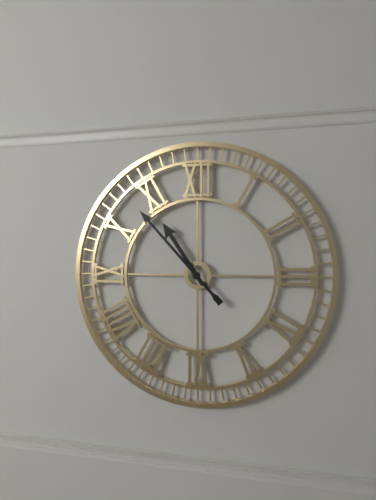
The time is **10:53**
